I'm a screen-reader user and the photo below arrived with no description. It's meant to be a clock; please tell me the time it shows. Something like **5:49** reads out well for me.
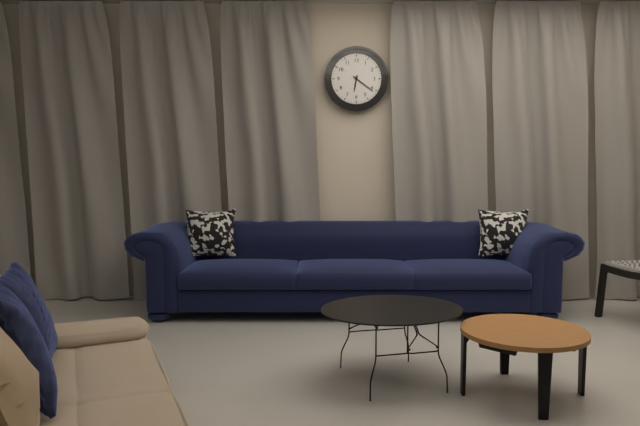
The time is **6:21**
